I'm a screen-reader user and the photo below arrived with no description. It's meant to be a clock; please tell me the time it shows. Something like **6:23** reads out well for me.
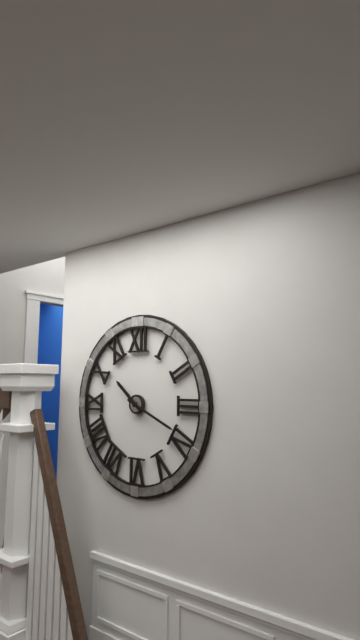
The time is **10:19**
